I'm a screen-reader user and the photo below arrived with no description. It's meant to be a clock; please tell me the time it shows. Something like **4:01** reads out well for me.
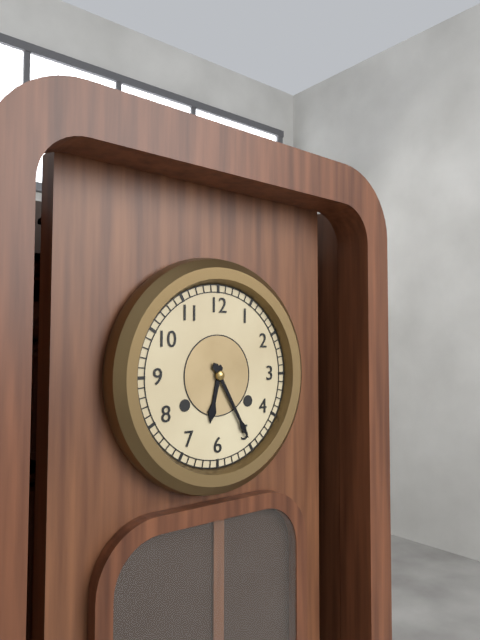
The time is **6:25**
